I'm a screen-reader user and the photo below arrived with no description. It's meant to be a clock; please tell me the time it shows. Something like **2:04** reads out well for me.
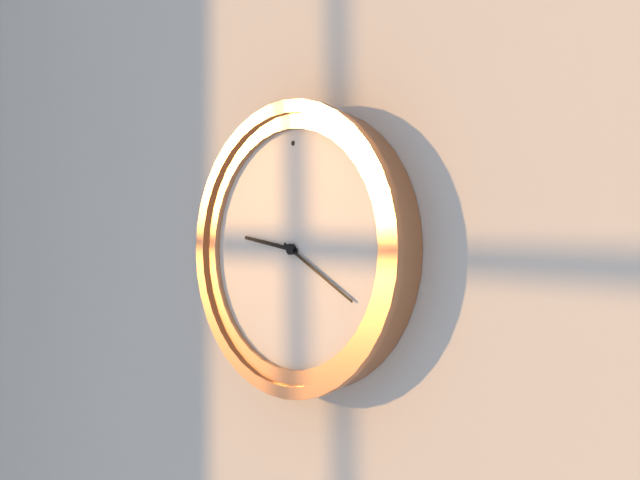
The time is **9:20**
